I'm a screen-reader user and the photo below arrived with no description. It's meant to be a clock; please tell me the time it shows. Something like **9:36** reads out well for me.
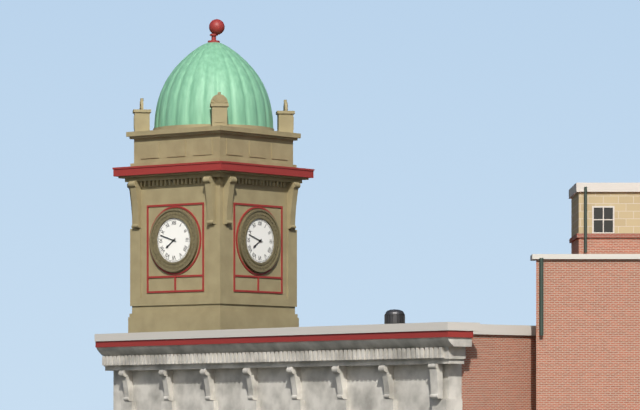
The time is **7:48**
